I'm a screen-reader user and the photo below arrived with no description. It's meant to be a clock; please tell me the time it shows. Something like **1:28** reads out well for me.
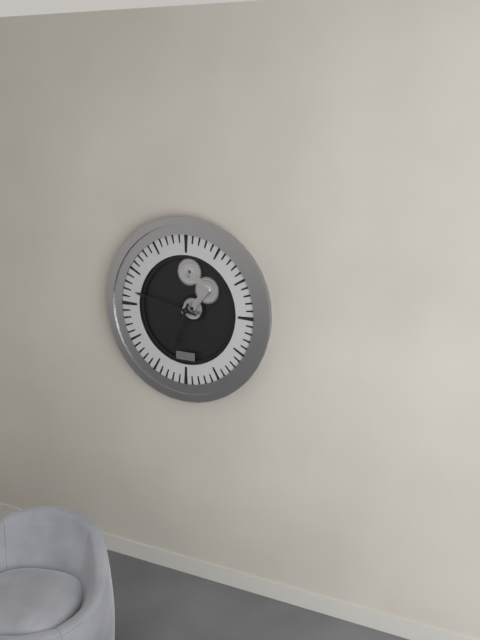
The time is **6:47**
